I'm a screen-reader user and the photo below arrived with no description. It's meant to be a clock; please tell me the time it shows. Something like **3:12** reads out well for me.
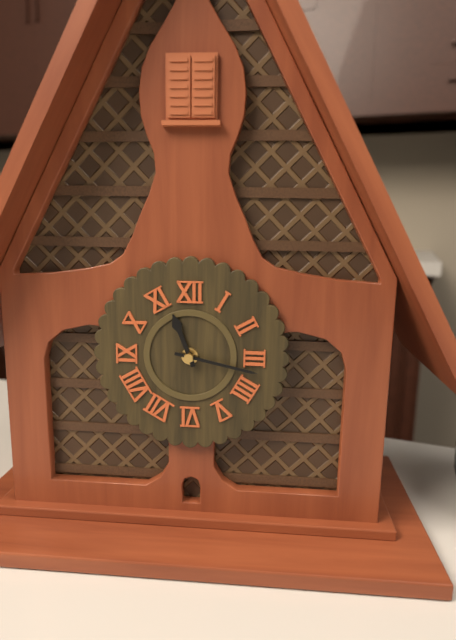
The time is **11:17**
